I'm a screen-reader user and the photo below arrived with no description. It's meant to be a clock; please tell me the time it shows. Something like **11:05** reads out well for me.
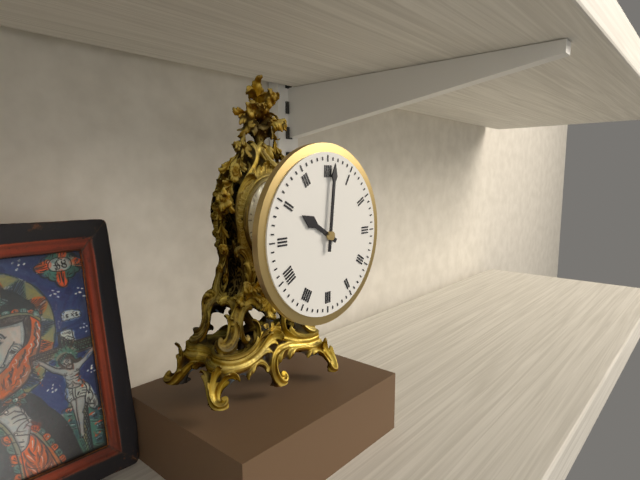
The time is **10:01**
